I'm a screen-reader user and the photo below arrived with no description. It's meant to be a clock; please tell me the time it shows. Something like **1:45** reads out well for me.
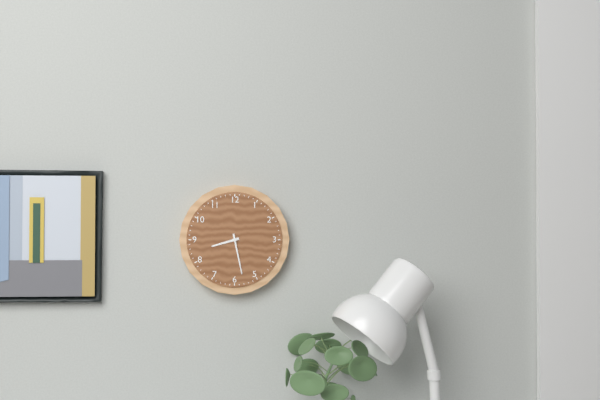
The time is **8:28**
